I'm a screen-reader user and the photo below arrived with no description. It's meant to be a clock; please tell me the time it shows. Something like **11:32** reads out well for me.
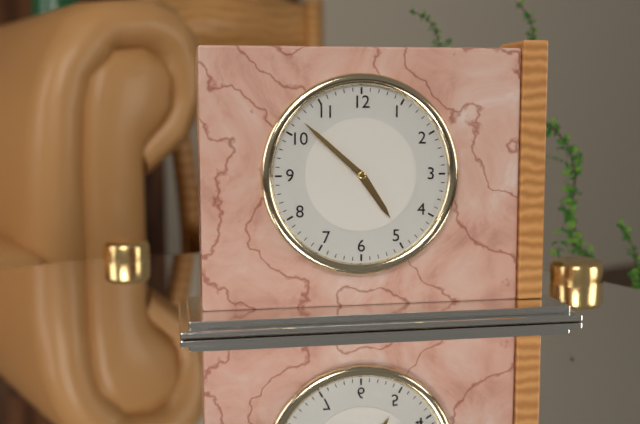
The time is **4:52**
